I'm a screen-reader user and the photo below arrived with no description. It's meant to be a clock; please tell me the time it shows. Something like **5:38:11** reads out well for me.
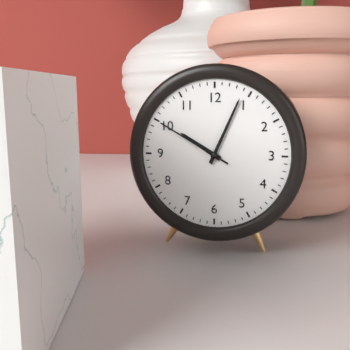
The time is **10:04:50**
